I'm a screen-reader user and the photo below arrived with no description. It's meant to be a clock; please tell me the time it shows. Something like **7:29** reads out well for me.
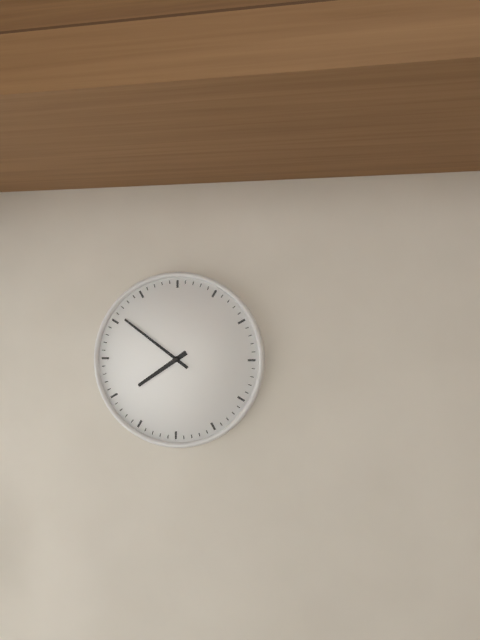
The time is **7:51**
